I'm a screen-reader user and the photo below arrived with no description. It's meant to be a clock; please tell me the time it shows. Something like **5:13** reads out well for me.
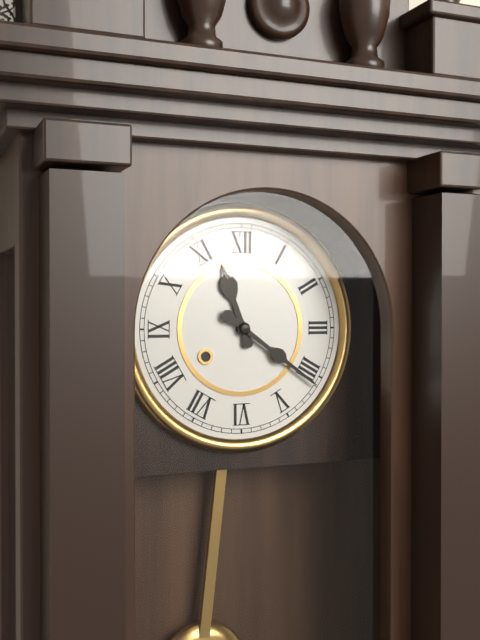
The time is **11:21**
